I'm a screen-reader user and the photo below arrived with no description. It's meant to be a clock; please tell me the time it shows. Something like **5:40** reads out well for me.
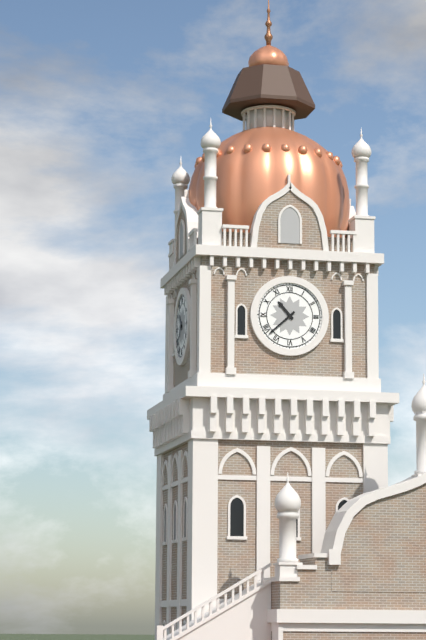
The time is **10:38**
